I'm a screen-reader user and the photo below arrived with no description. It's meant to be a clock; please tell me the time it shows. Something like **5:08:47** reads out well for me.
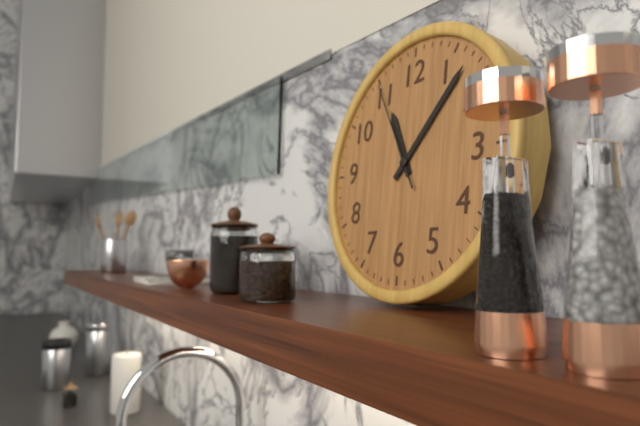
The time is **11:07:55**
